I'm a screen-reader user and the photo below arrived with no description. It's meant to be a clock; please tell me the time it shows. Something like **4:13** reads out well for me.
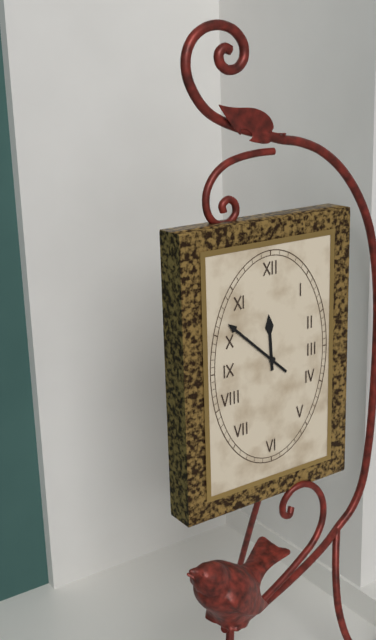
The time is **11:52**
